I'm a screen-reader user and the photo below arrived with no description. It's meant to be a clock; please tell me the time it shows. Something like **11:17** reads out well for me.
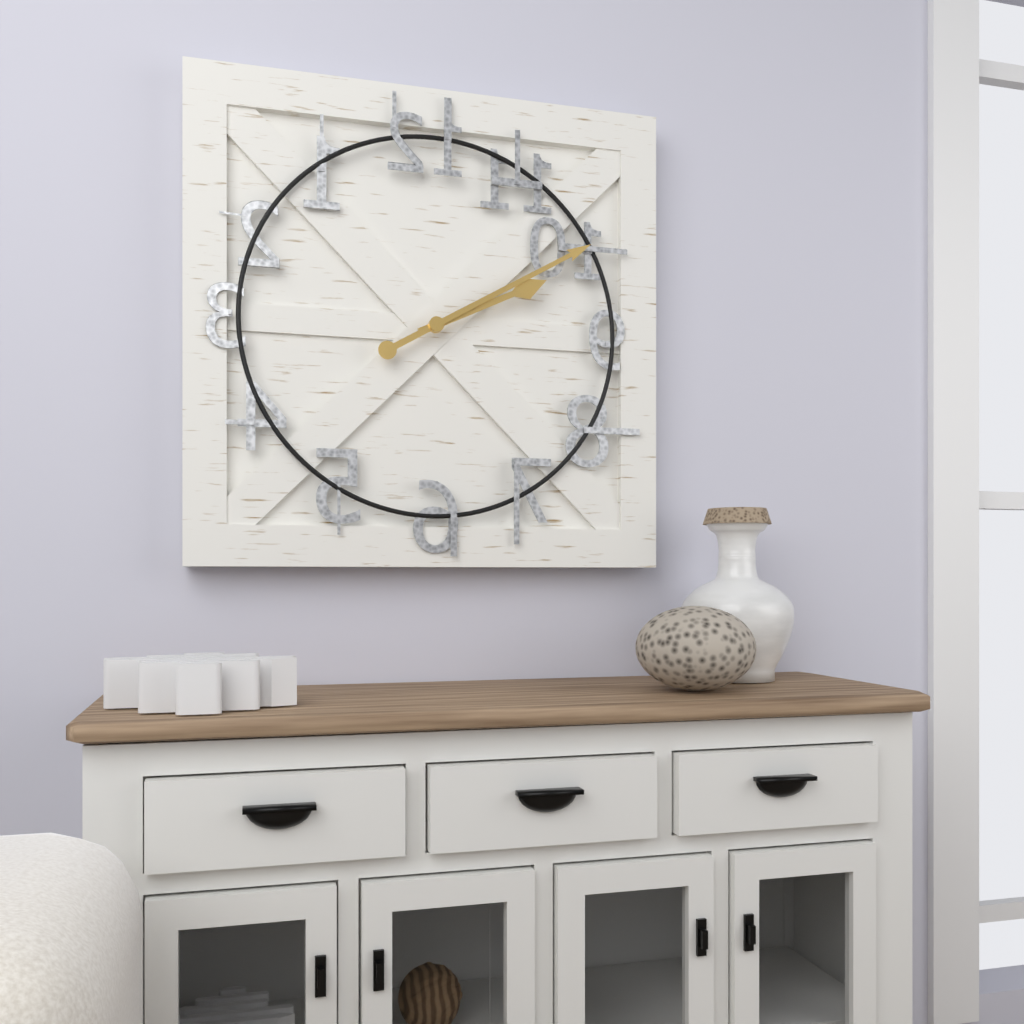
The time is **2:10**
